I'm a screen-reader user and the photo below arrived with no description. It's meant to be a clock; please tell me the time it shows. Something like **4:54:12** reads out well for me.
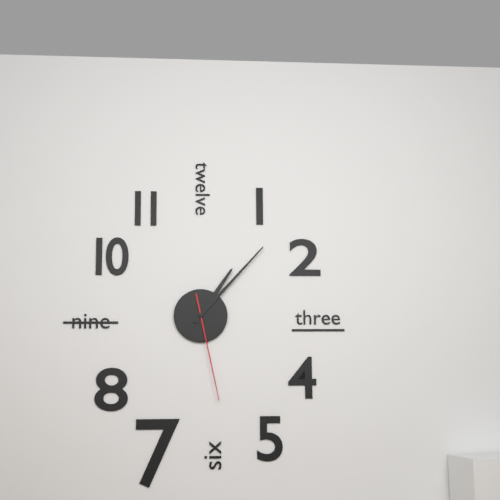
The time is **1:07:28**
